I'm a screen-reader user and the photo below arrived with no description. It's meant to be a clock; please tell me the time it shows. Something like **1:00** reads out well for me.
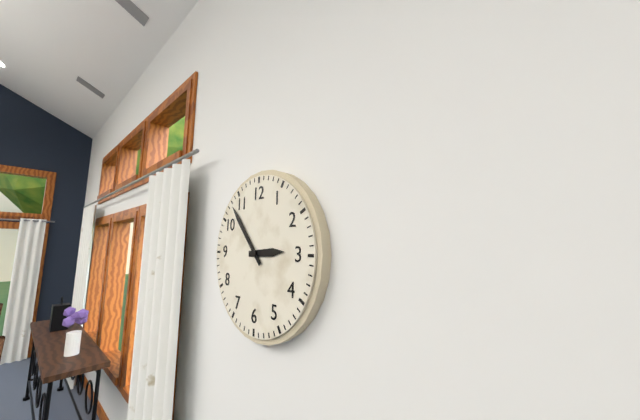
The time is **2:53**
